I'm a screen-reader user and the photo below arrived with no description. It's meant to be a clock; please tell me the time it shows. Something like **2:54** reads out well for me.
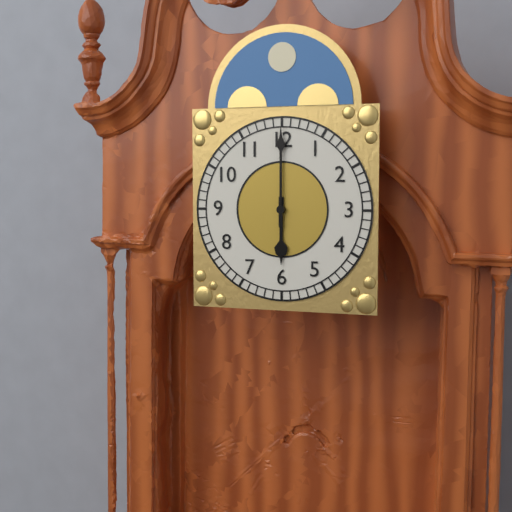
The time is **6:00**
